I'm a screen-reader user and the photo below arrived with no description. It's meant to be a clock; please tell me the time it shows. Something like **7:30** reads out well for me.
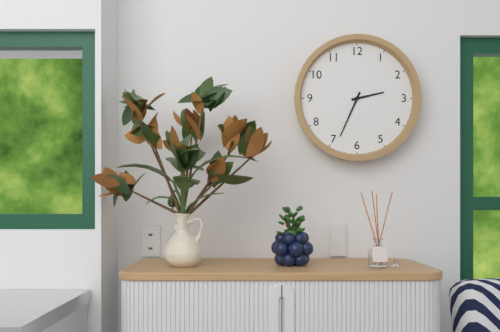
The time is **2:34**
